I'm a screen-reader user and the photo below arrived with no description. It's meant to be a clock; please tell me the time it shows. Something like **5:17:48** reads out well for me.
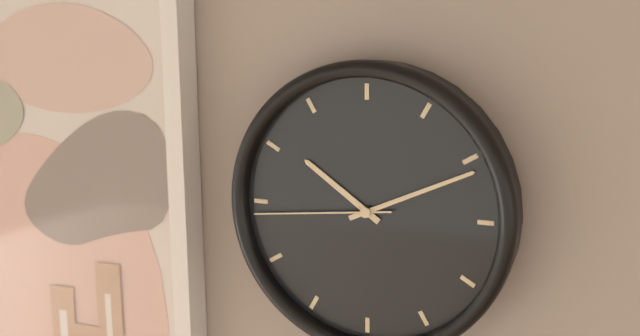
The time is **10:11:44**
